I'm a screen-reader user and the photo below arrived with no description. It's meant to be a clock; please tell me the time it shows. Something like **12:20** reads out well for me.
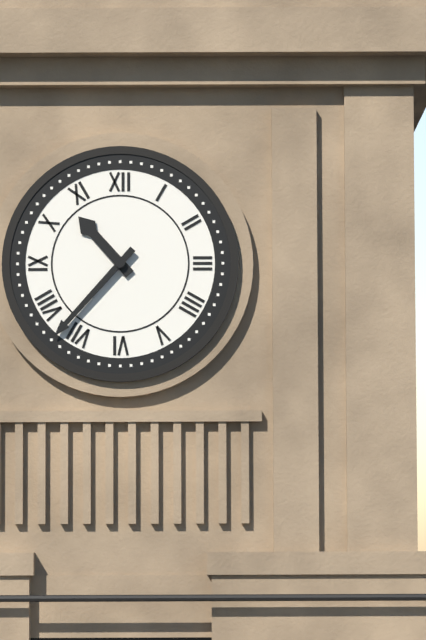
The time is **10:37**
